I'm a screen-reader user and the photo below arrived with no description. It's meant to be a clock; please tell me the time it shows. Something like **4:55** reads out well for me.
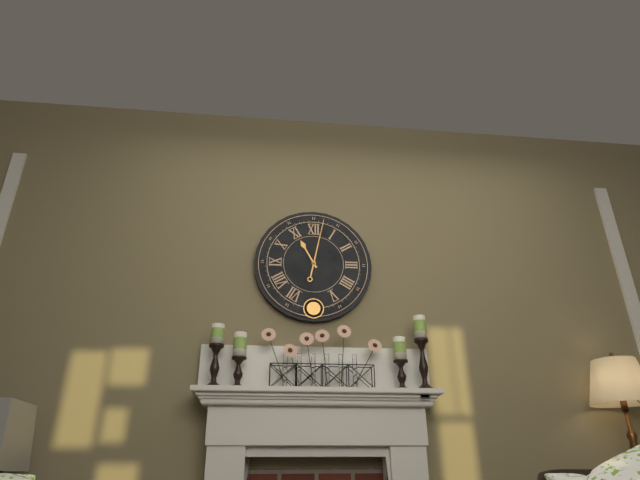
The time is **11:02**
